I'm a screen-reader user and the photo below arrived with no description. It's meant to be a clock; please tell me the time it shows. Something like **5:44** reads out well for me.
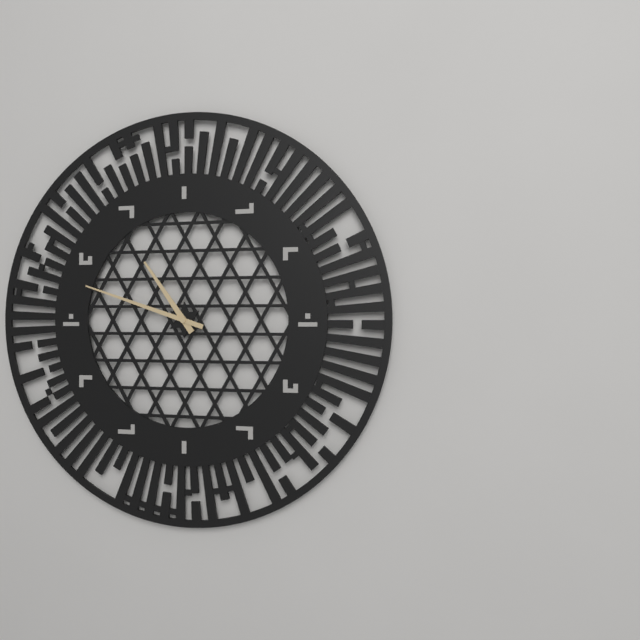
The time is **10:48**
